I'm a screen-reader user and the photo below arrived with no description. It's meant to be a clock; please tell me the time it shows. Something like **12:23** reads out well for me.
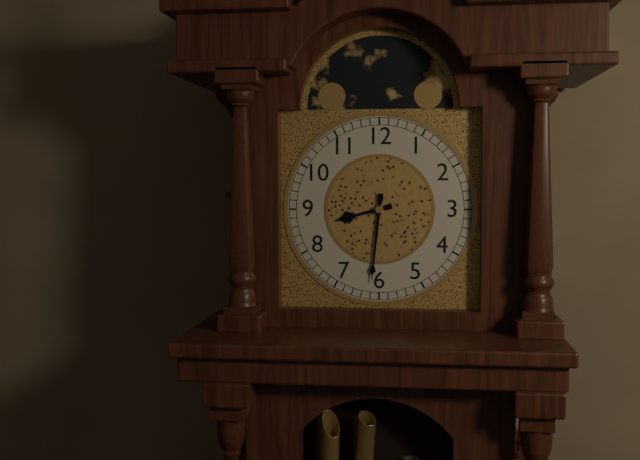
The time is **8:31**
